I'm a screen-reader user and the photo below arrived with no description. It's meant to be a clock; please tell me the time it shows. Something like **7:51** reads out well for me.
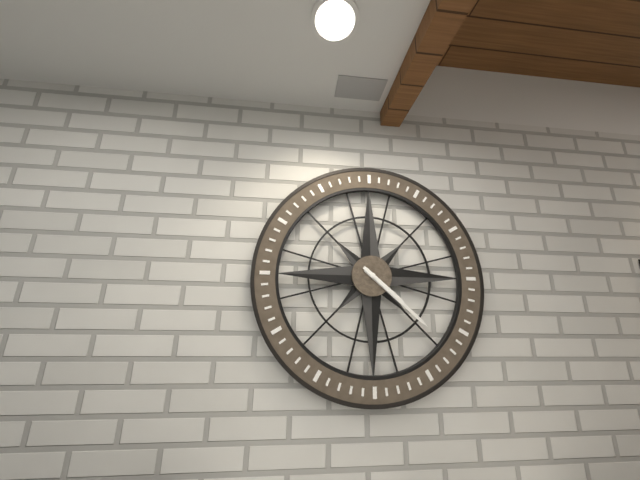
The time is **4:22**
